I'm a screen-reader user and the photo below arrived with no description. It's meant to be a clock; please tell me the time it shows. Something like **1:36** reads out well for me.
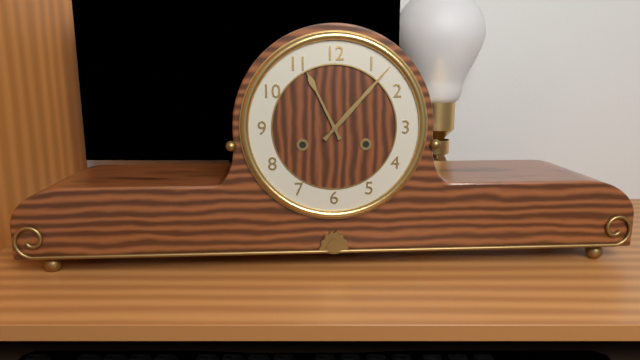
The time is **11:07**
